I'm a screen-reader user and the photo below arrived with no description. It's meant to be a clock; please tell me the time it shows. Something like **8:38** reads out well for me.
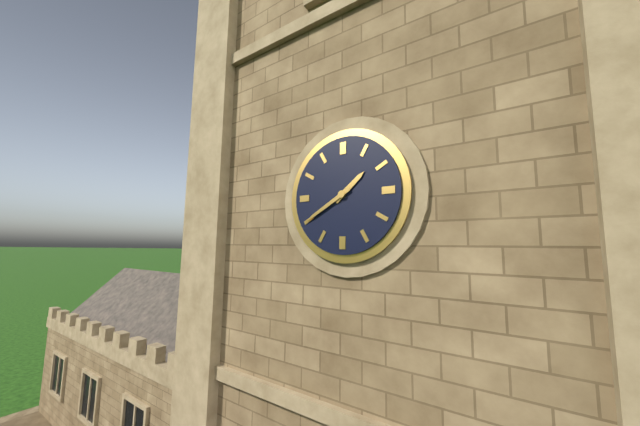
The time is **1:40**
